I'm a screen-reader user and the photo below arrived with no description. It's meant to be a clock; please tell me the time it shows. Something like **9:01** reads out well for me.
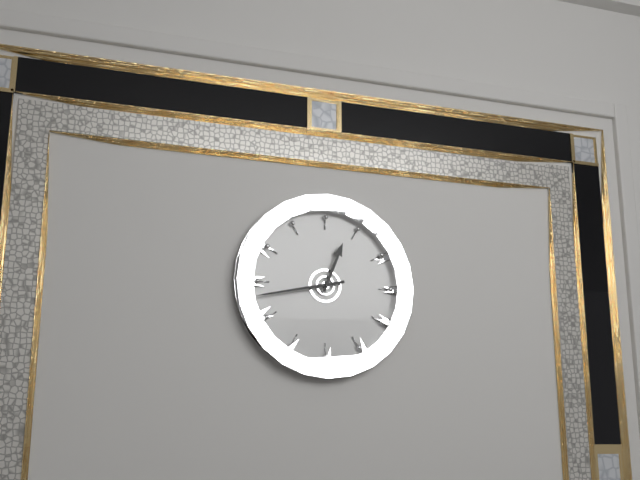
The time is **12:43**
